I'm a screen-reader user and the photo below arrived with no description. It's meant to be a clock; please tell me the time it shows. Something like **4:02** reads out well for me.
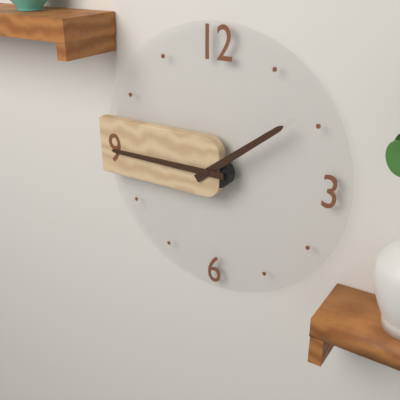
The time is **1:45**
